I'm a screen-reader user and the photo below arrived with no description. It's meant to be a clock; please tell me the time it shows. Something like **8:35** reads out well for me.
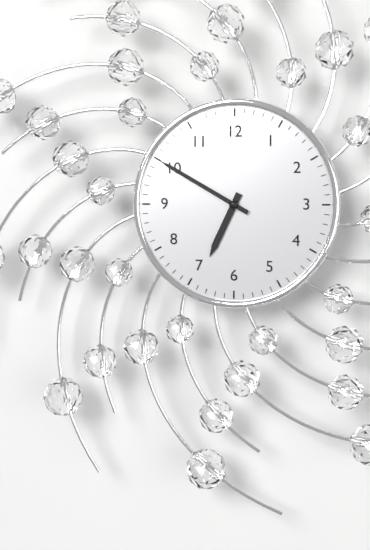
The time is **6:50**
